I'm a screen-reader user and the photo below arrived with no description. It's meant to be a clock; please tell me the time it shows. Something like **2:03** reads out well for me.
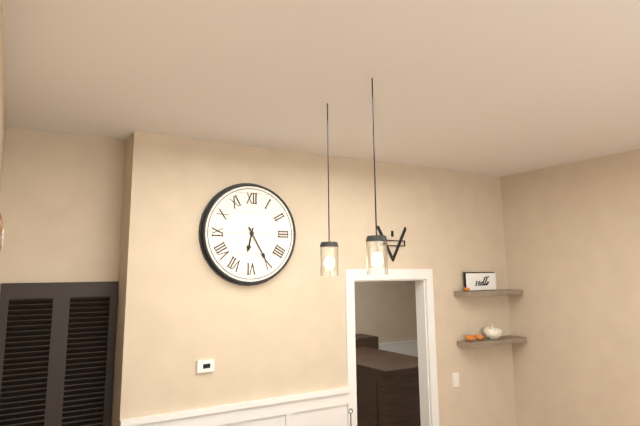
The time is **6:25**
